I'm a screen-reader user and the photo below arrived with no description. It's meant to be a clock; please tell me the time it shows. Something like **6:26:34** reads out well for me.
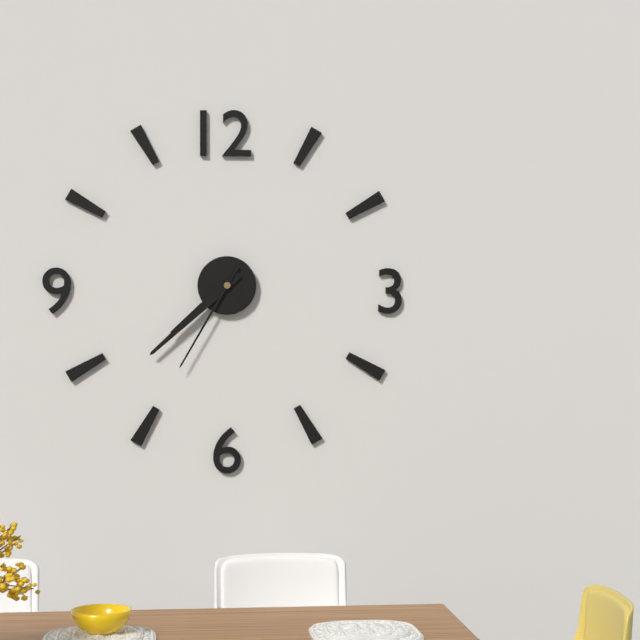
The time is **7:38:35**
